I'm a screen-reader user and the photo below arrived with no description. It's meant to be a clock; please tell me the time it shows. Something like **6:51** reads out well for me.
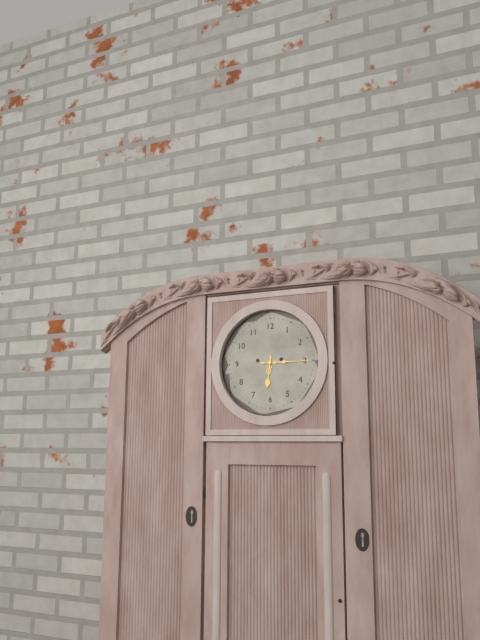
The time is **6:15**
